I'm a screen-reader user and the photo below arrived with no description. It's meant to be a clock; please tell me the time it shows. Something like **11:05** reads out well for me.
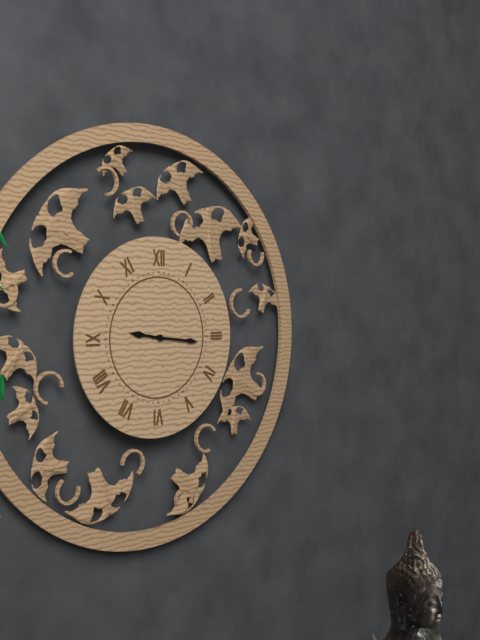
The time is **9:16**
